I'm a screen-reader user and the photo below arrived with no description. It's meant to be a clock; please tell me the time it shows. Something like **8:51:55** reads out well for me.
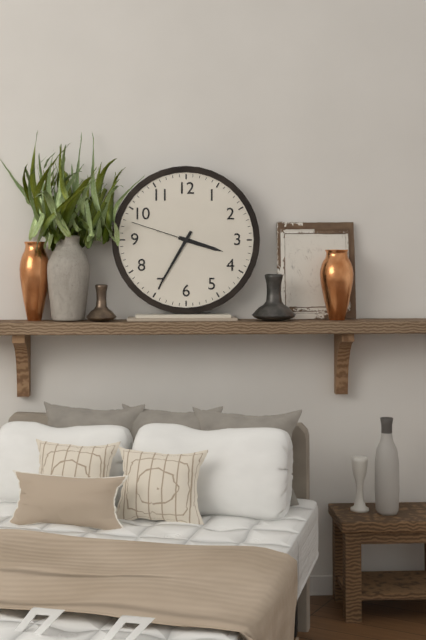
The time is **3:35:48**
